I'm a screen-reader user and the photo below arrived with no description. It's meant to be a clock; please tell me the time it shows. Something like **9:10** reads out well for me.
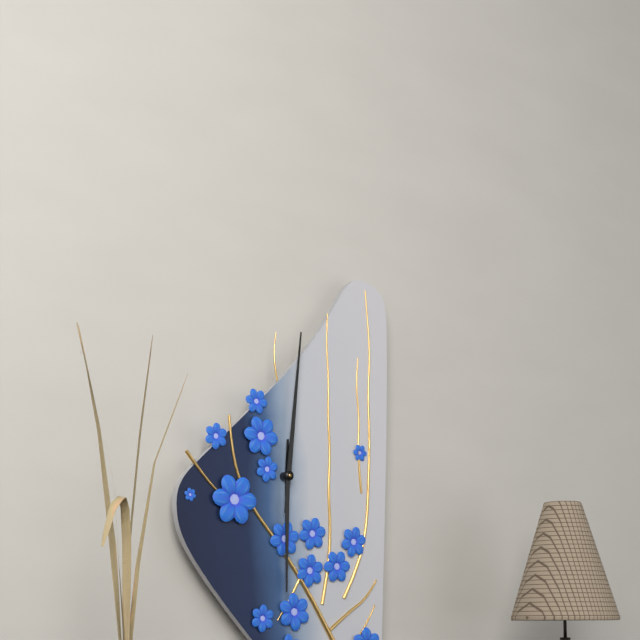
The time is **6:01**
